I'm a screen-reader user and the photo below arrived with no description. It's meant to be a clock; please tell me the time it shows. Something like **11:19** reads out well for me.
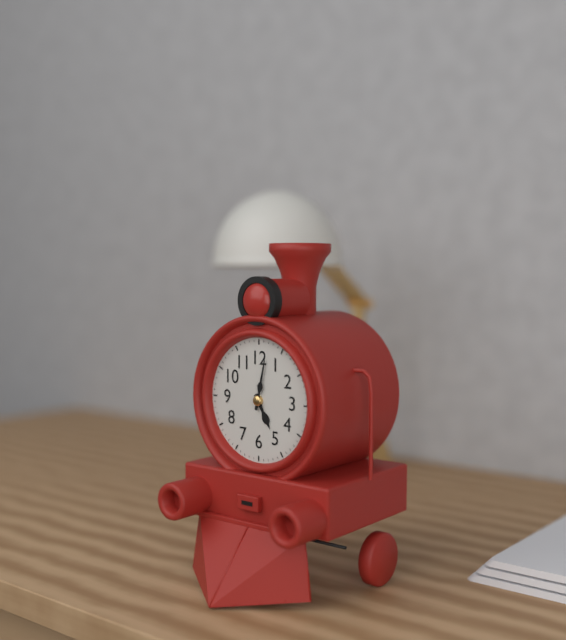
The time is **5:02**
